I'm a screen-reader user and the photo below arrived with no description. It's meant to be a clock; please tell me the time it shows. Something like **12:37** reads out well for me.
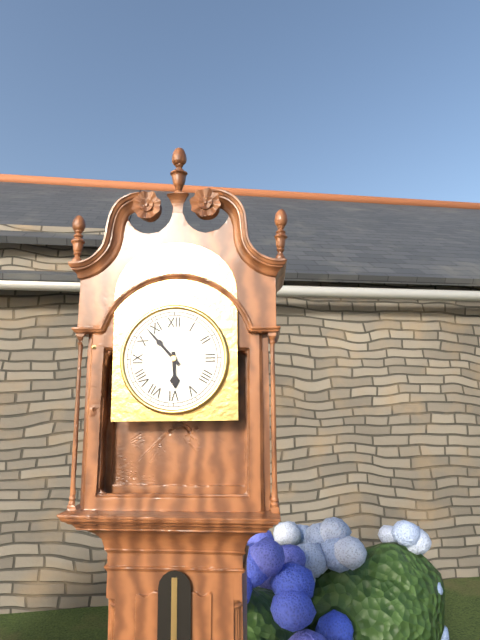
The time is **5:53**
